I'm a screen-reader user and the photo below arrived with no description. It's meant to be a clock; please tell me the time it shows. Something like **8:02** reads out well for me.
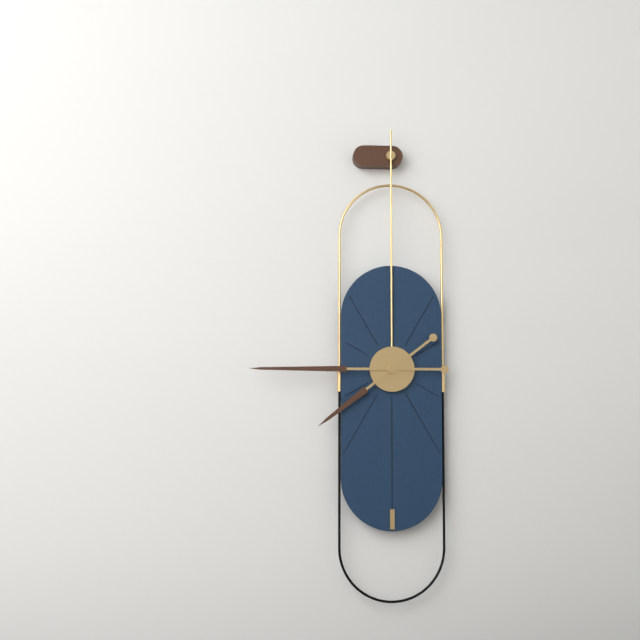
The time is **7:45**
